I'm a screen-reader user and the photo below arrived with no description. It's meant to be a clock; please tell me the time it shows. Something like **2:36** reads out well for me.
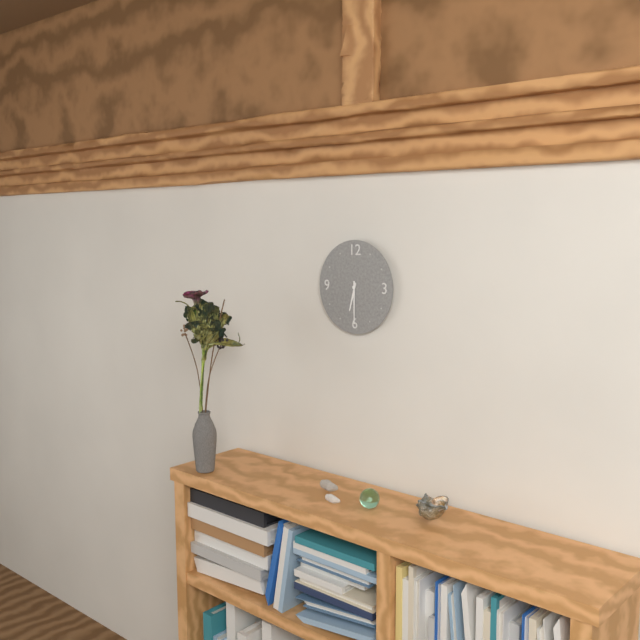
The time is **6:30**
